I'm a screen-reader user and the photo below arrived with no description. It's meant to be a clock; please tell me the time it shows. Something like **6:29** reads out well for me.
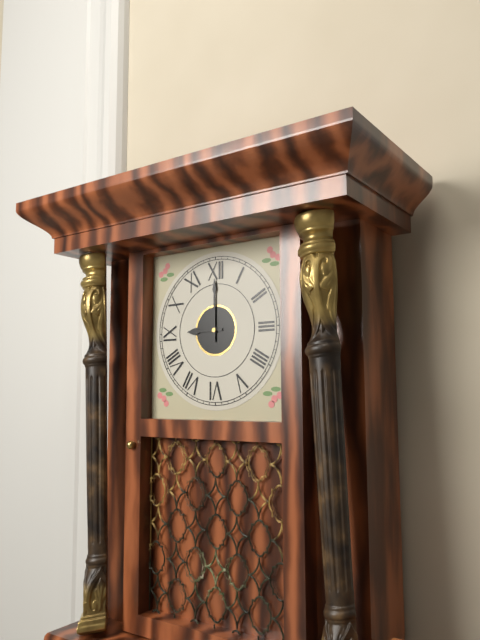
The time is **9:00**
